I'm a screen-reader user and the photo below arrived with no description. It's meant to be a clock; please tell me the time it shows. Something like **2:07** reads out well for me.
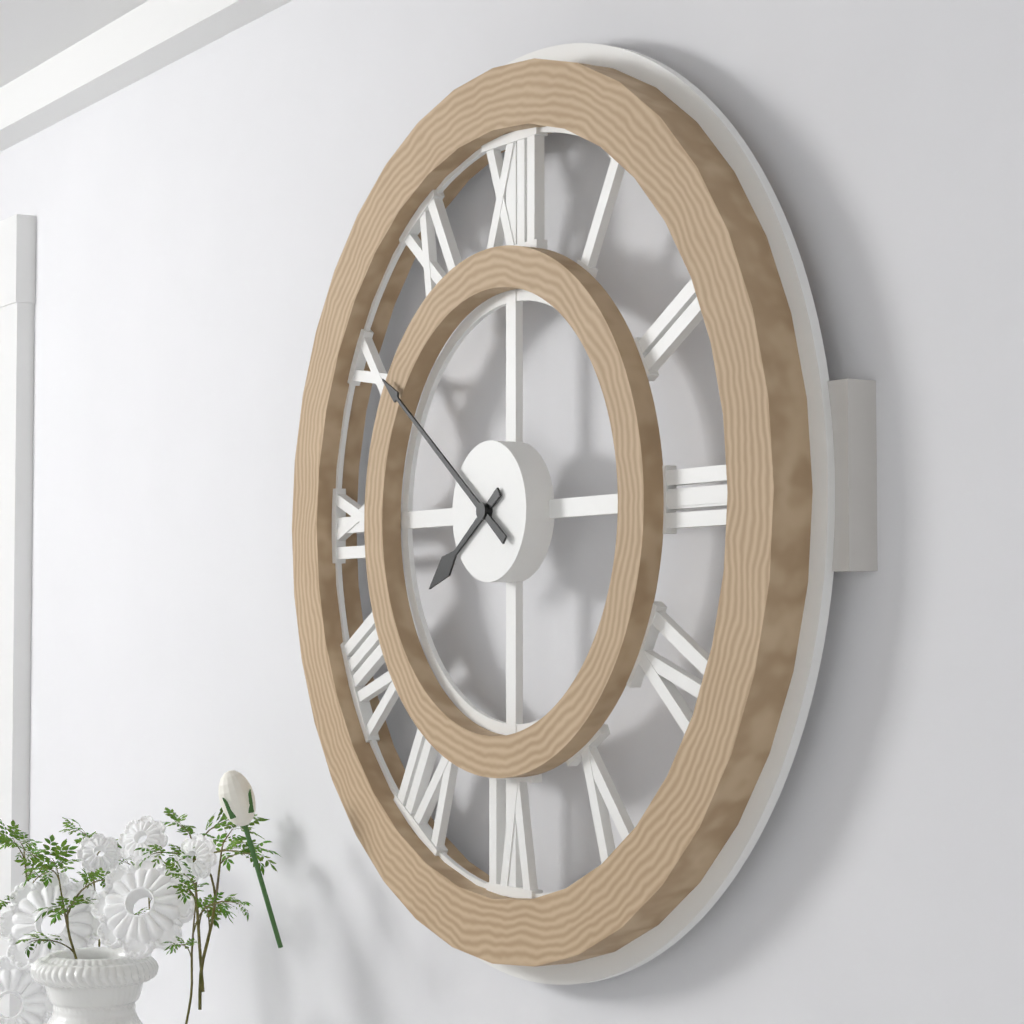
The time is **7:51**
